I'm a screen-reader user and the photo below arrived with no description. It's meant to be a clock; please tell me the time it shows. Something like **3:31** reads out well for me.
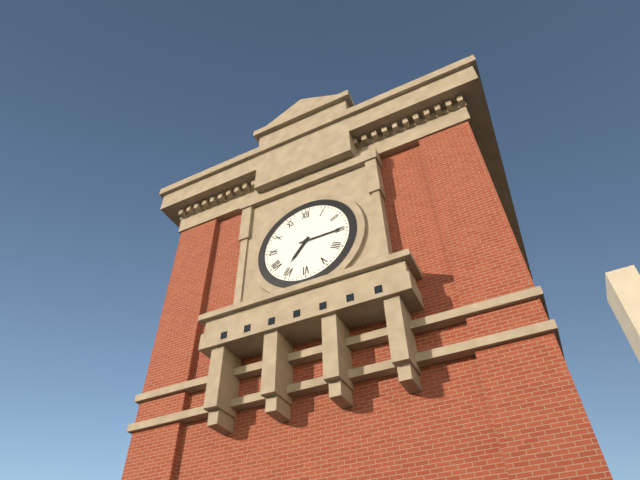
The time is **7:15**
